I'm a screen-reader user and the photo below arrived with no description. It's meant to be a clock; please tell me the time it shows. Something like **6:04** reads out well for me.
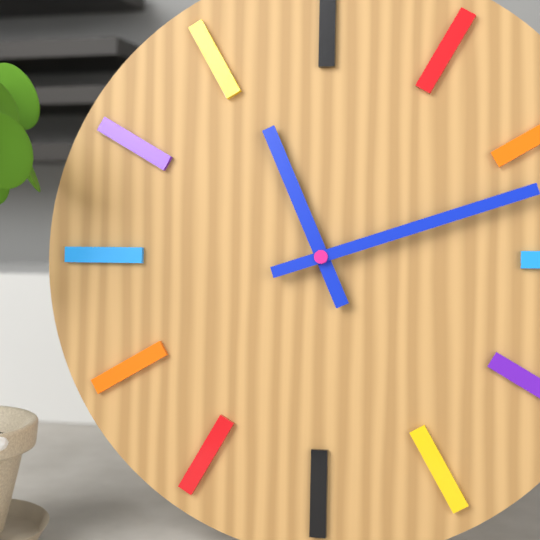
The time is **11:12**
